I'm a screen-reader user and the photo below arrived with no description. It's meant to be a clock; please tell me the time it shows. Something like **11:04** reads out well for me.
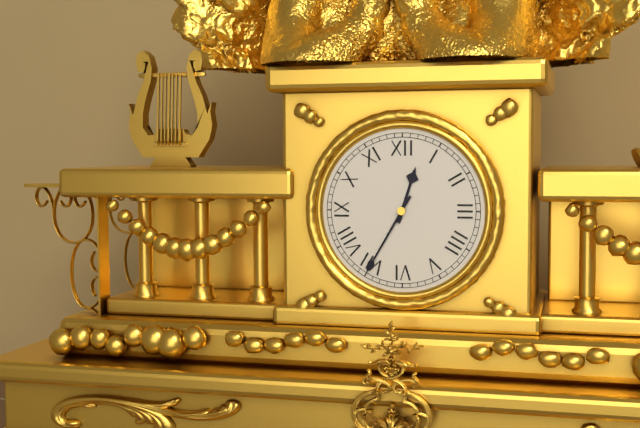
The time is **12:35**
